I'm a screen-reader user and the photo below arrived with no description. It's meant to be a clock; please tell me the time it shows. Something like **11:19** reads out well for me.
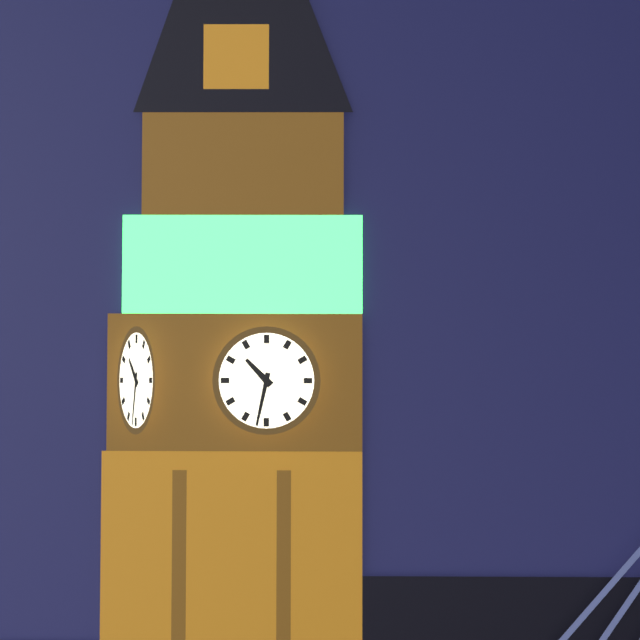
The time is **10:32**
